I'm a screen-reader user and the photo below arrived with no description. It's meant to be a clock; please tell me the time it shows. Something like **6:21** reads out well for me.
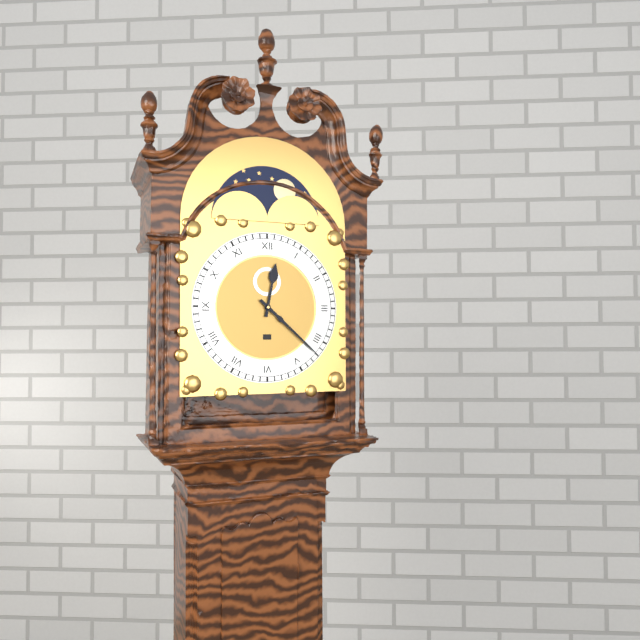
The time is **12:22**
